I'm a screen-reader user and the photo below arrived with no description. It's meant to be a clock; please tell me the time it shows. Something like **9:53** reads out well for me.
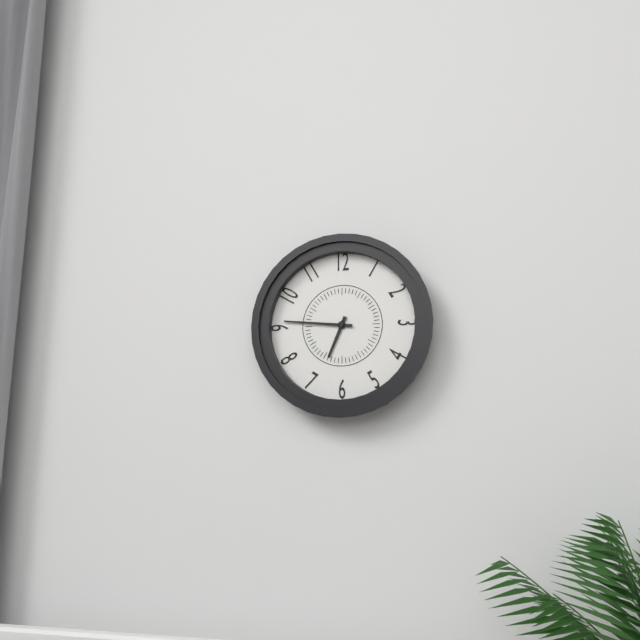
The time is **6:46**
